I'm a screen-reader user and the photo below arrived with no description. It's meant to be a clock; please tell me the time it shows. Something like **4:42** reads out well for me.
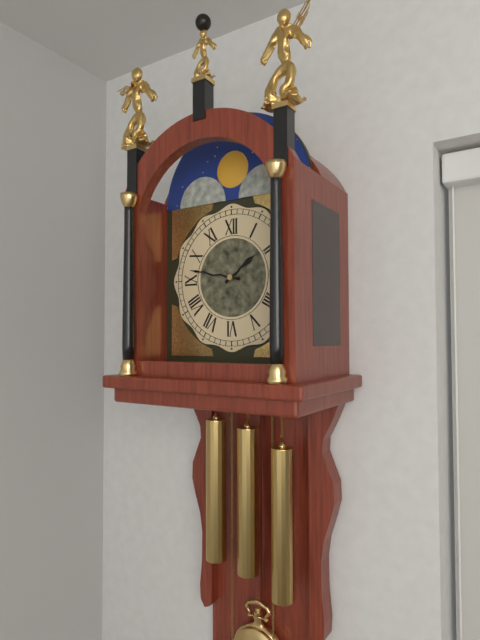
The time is **1:47**
